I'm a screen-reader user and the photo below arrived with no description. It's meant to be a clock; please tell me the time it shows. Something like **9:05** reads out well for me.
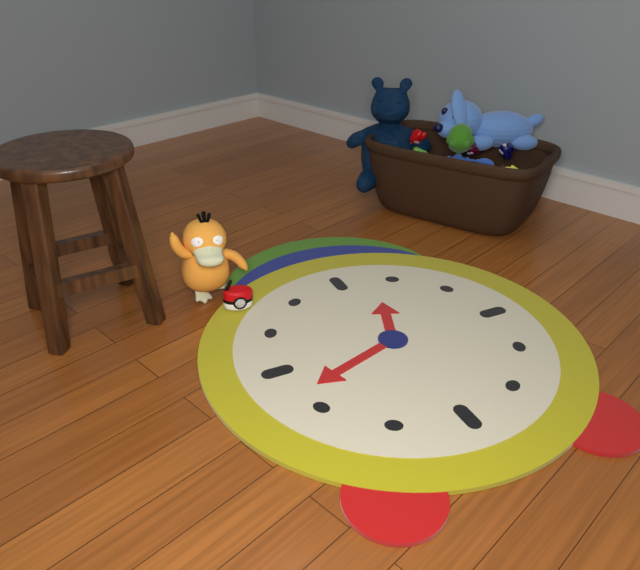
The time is **12:42**
